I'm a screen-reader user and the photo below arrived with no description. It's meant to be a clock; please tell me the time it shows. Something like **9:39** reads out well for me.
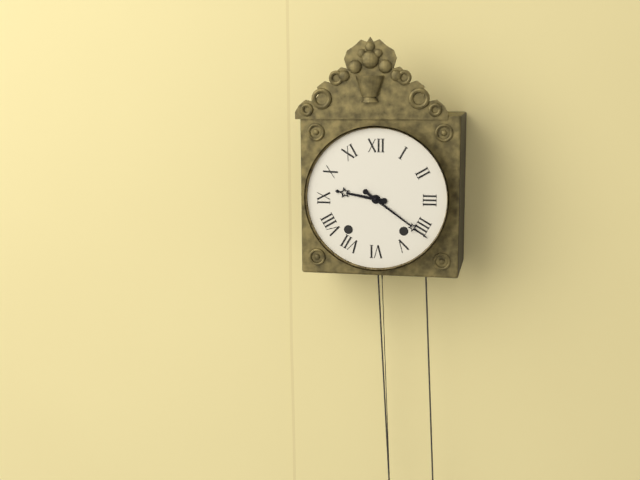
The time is **9:21**
